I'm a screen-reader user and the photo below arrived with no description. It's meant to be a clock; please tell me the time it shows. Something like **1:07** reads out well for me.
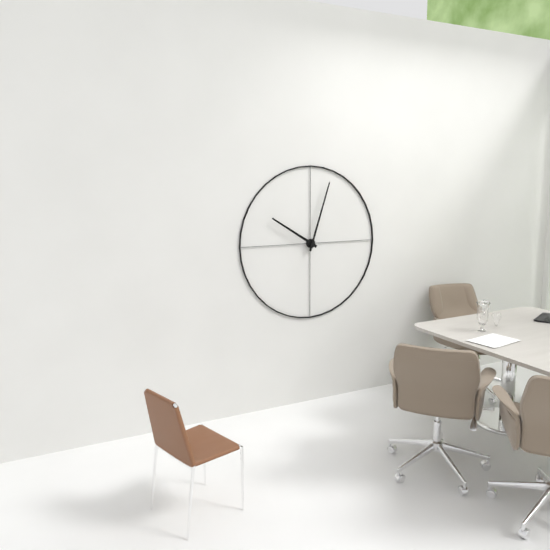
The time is **10:03**
